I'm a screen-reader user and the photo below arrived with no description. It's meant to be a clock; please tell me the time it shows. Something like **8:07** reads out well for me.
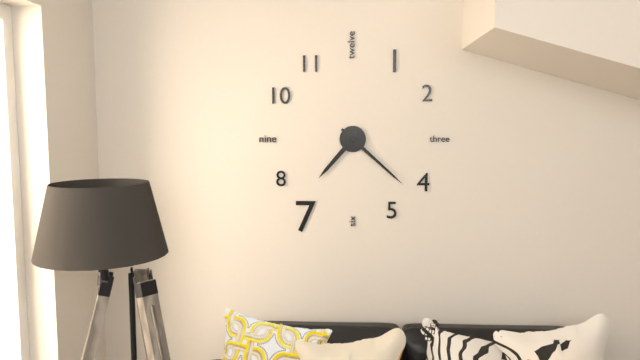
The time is **7:22**
